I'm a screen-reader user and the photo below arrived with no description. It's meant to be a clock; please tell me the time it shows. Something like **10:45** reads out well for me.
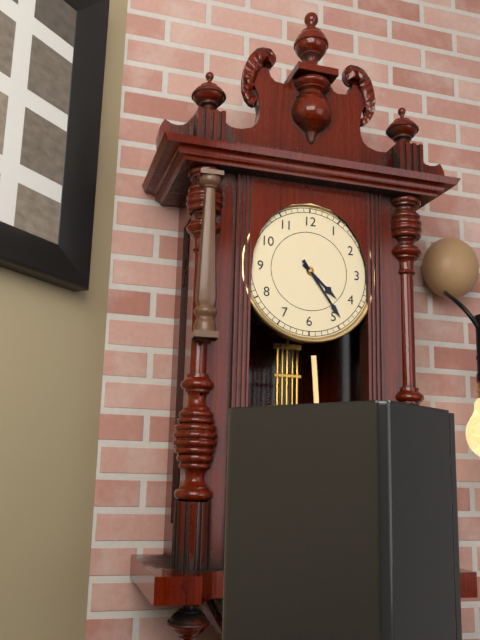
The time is **4:24**
